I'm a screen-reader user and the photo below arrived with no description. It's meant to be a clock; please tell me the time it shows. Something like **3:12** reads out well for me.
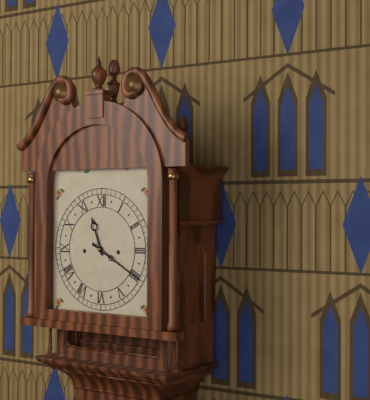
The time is **11:20**
